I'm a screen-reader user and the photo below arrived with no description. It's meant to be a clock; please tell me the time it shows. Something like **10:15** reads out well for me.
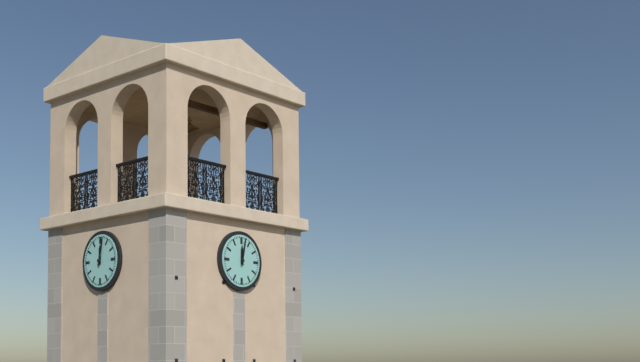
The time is **12:02**
